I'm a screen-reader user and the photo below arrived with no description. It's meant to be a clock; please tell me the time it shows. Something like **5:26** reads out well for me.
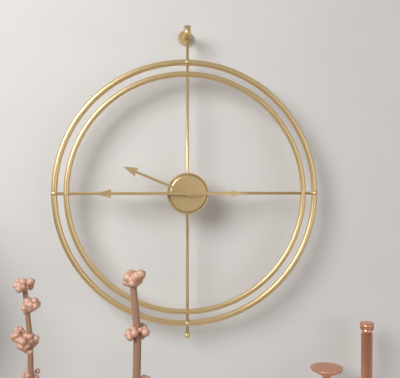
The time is **9:45**
